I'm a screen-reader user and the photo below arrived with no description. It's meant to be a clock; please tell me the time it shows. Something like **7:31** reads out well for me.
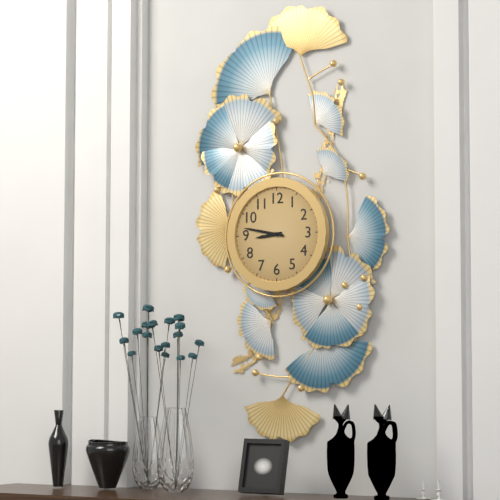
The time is **8:47**
